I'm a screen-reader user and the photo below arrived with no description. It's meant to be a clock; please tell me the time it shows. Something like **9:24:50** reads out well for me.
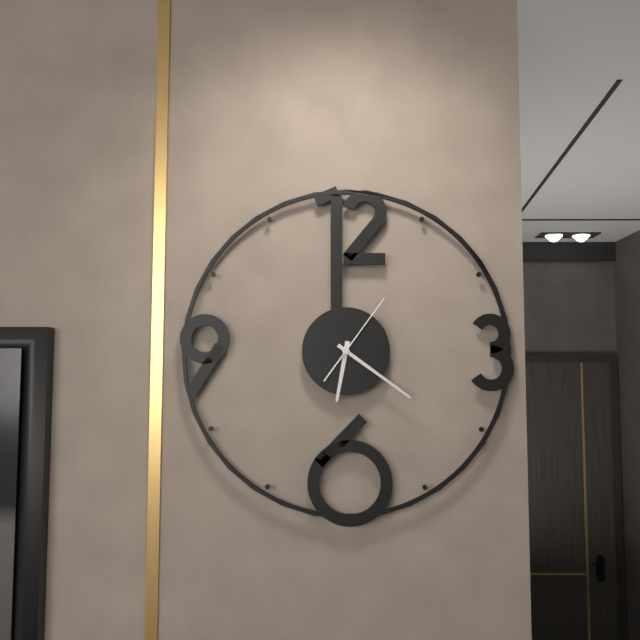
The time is **6:21:06**
